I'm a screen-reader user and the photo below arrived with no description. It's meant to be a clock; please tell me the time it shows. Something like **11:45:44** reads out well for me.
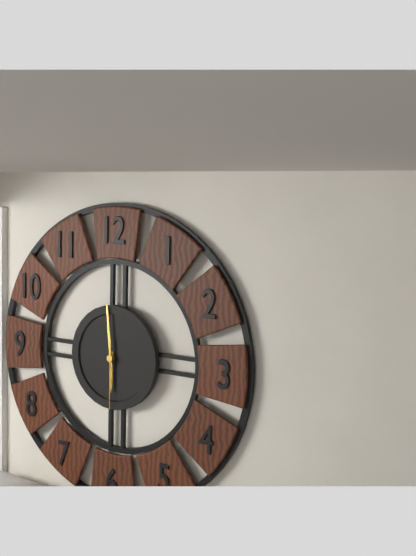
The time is **5:59:30**
